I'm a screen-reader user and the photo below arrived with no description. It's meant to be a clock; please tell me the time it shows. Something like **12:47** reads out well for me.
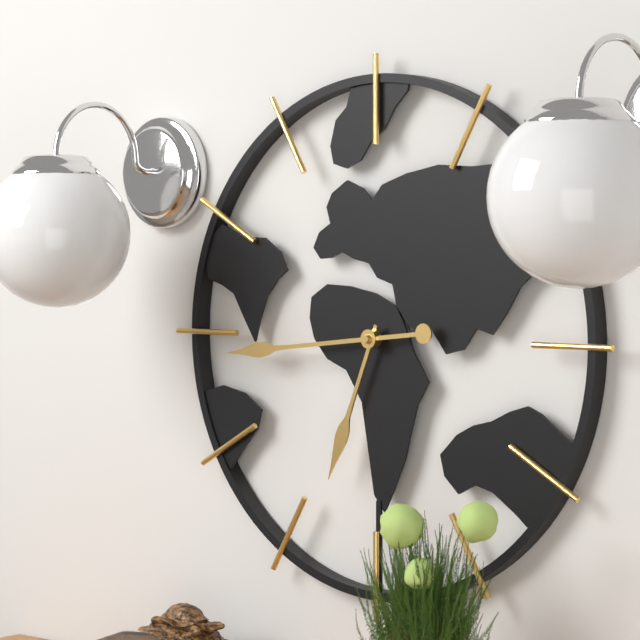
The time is **6:44**
